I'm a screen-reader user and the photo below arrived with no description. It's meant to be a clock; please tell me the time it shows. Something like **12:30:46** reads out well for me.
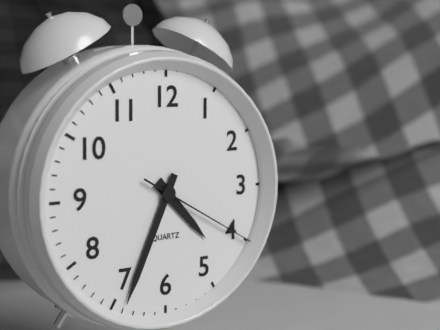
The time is **4:34:20**
